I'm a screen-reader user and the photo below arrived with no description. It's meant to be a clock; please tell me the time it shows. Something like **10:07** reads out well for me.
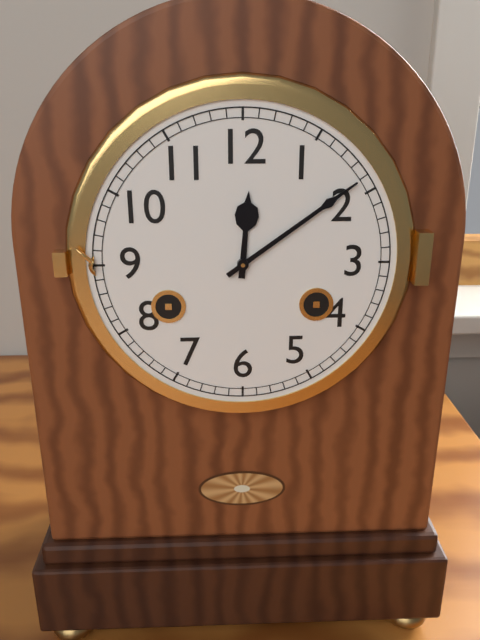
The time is **12:09**
